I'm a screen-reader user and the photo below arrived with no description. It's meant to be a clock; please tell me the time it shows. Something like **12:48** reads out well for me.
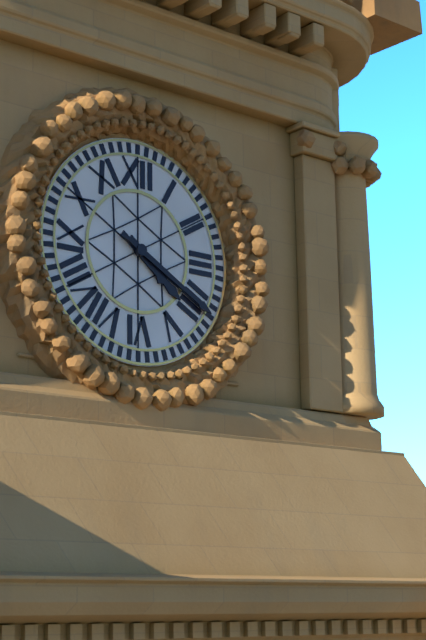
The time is **4:20**
